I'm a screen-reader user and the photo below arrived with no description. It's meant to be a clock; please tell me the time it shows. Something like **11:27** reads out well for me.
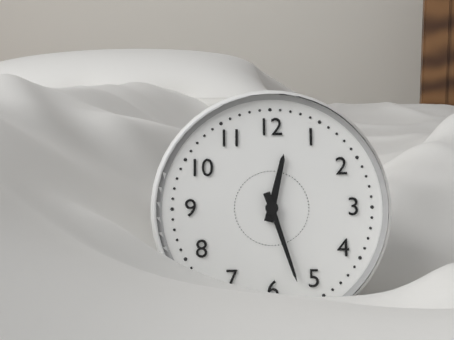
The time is **12:27**
